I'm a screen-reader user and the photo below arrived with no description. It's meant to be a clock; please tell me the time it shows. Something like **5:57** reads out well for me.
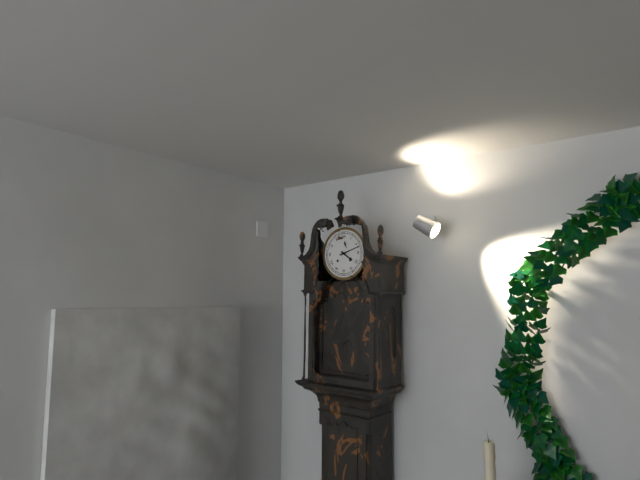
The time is **4:12**
